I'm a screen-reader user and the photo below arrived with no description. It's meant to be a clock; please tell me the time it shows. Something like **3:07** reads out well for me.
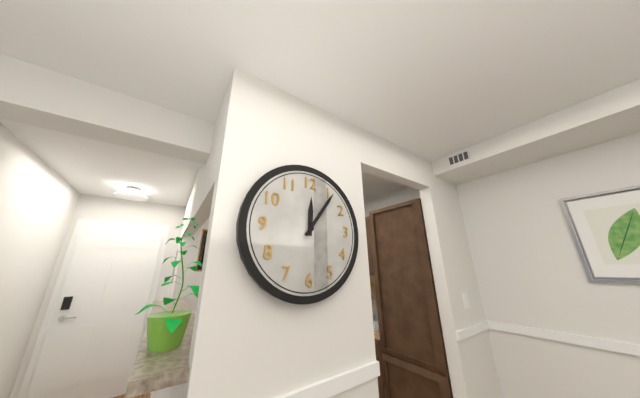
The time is **12:06**
